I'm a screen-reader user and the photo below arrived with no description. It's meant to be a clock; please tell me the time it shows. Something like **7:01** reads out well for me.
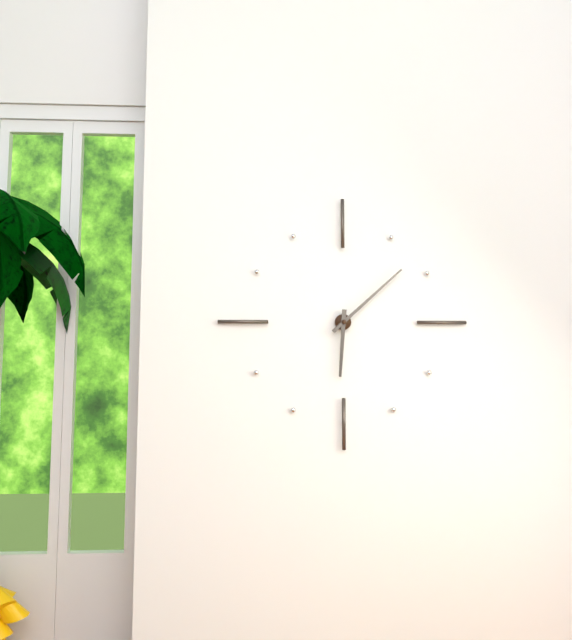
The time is **6:08**
